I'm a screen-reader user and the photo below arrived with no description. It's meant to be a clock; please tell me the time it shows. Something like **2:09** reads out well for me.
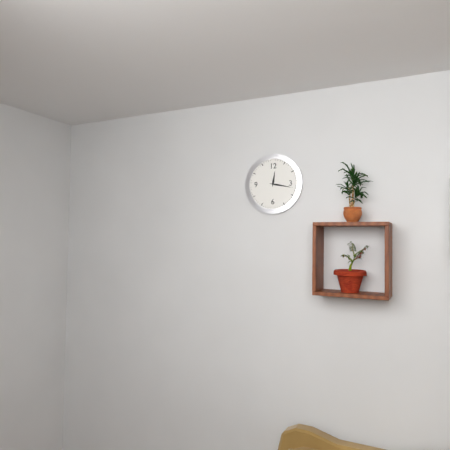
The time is **12:17**
